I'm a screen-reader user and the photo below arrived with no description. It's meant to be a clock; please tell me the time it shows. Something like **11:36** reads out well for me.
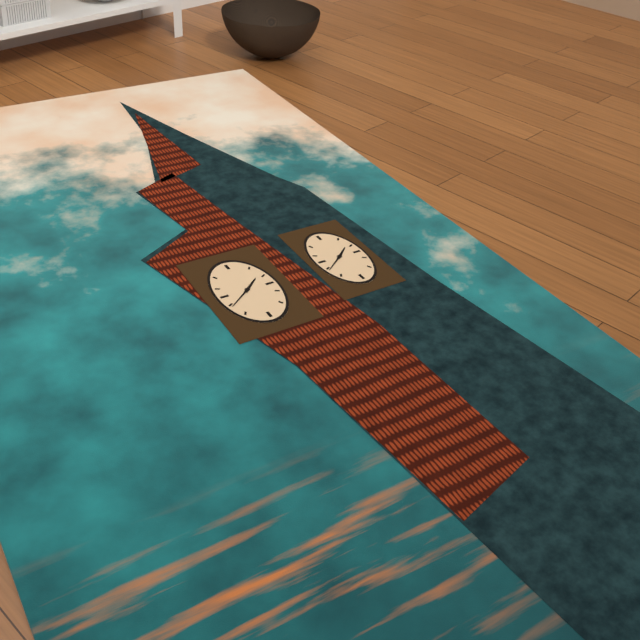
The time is **1:39**
